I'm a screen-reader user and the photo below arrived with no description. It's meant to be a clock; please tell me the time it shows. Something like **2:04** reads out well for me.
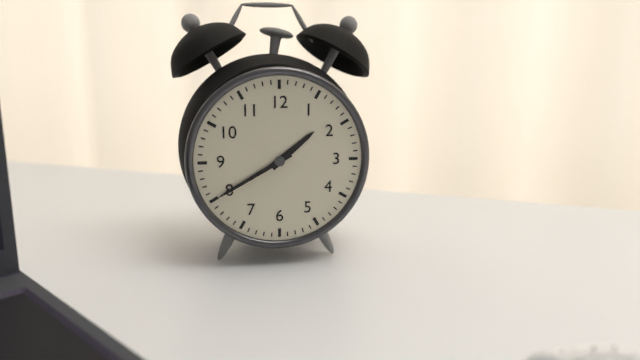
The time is **1:40**
